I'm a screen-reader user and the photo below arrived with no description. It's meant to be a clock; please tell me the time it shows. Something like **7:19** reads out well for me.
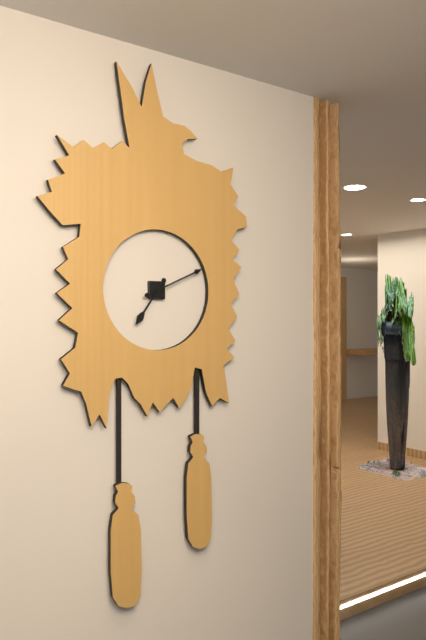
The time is **7:11**
